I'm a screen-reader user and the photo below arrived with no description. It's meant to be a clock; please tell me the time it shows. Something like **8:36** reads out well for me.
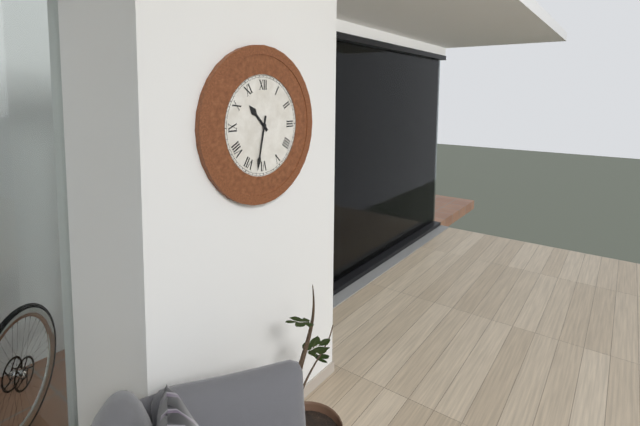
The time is **10:32**
